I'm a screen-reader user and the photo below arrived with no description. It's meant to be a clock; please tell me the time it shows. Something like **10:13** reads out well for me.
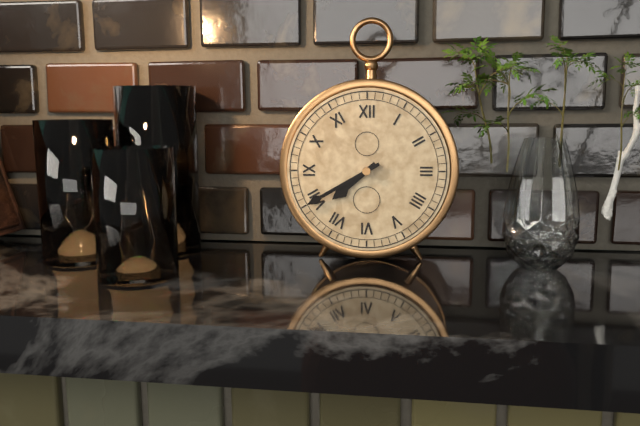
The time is **7:40**
